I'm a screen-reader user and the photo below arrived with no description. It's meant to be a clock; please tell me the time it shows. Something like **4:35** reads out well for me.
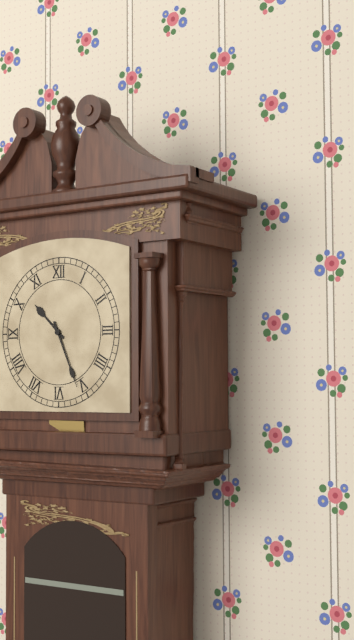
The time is **10:26**
